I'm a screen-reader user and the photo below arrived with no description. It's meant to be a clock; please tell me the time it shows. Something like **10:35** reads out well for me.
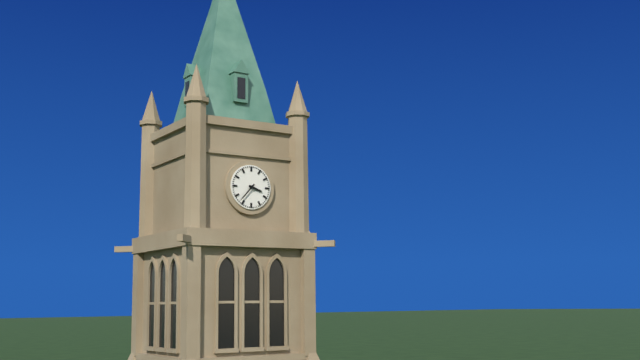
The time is **3:37**
